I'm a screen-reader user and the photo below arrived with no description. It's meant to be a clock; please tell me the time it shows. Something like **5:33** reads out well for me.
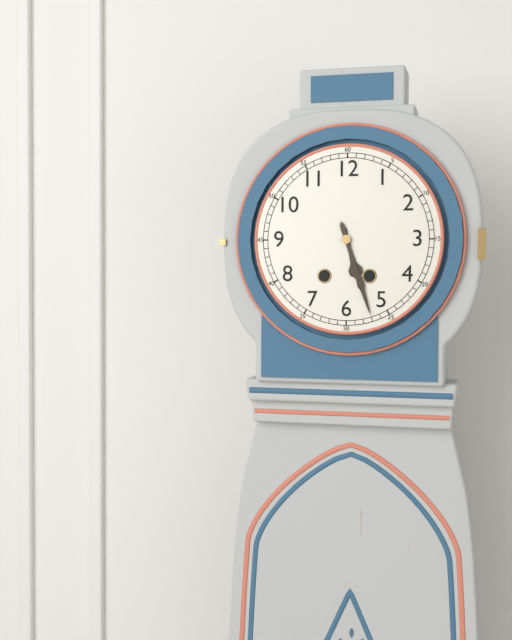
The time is **5:27**
